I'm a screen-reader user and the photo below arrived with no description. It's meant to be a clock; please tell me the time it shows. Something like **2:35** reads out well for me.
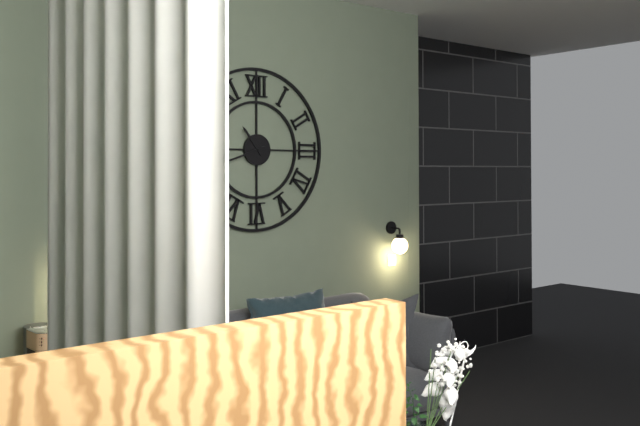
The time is **10:42**
